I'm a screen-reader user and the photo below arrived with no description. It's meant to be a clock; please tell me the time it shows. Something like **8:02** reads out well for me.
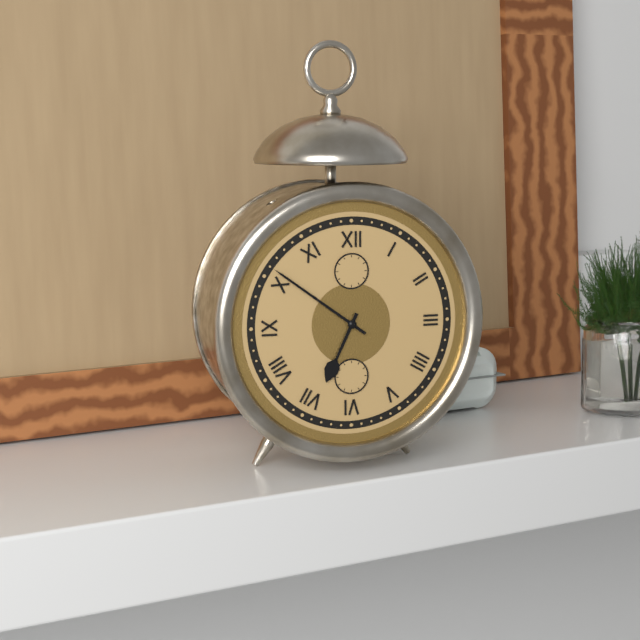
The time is **6:51**
